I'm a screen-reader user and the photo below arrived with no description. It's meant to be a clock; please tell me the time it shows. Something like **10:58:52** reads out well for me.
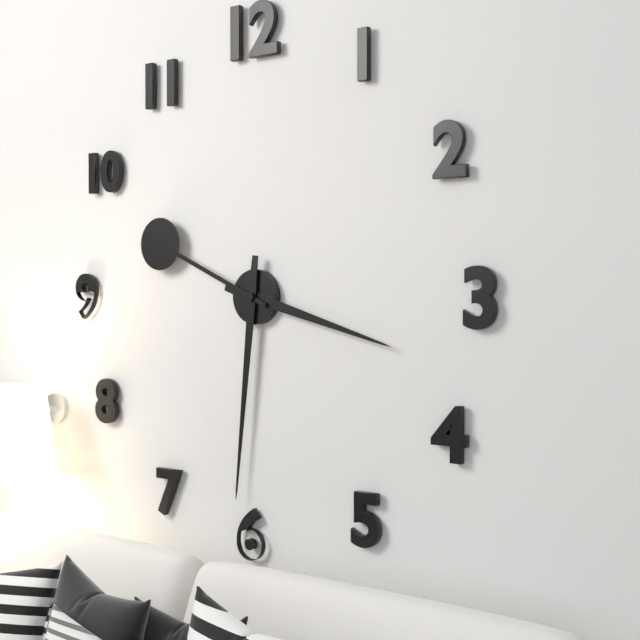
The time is **3:31:49**
